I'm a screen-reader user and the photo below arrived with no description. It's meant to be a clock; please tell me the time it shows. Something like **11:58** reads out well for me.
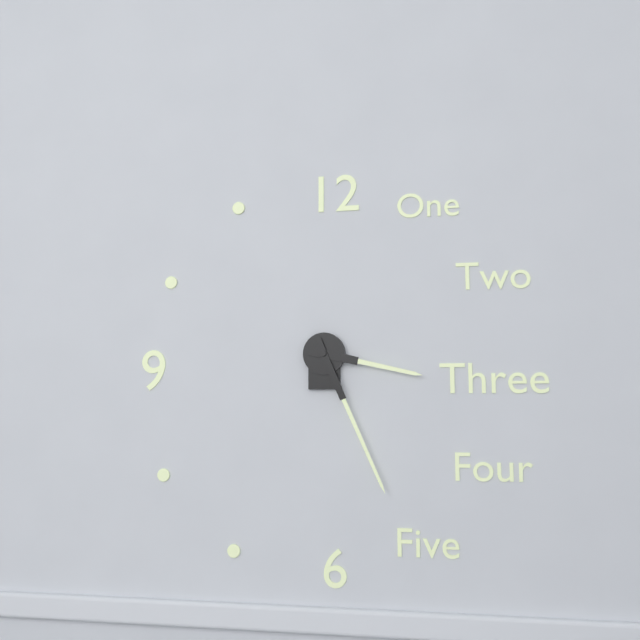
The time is **3:26**
